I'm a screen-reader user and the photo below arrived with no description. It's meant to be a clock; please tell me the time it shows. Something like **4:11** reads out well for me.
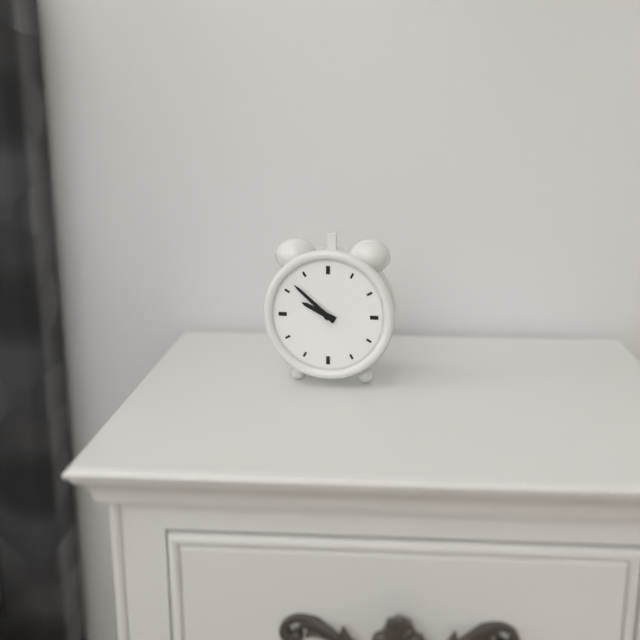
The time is **9:52**
